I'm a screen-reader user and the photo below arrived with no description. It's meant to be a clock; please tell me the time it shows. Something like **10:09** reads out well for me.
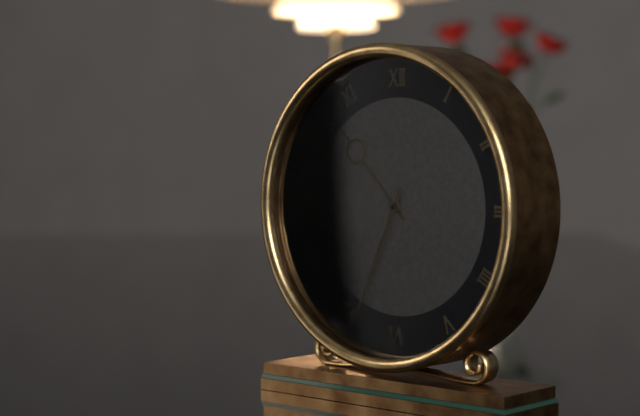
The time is **10:34**
